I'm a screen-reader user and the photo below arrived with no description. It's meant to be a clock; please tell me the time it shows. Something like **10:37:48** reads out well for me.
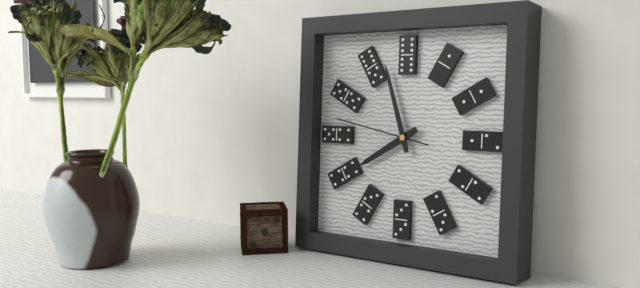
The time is **7:57:47**
